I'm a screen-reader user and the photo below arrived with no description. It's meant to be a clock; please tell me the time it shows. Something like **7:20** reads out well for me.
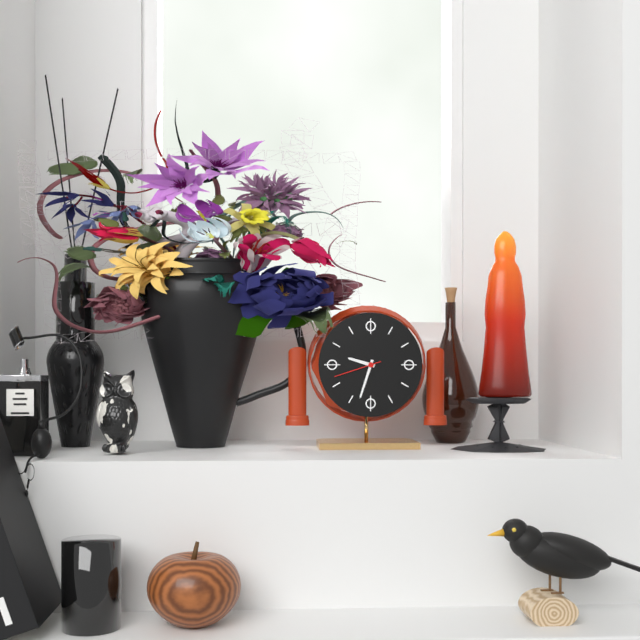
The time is **9:33**
